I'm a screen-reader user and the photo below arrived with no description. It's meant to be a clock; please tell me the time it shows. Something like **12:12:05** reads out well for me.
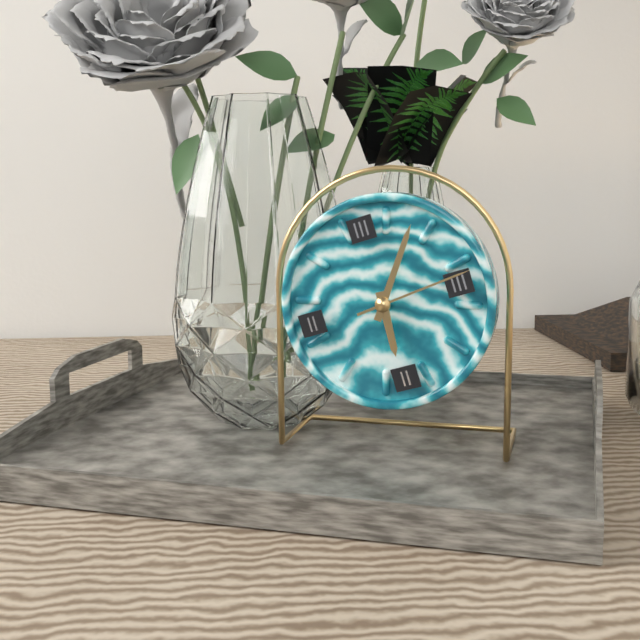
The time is **6:06:14**
